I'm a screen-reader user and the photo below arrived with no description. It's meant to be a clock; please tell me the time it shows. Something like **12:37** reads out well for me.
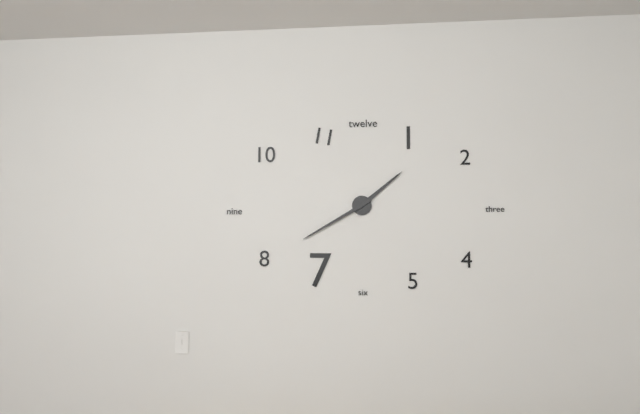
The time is **1:40**
